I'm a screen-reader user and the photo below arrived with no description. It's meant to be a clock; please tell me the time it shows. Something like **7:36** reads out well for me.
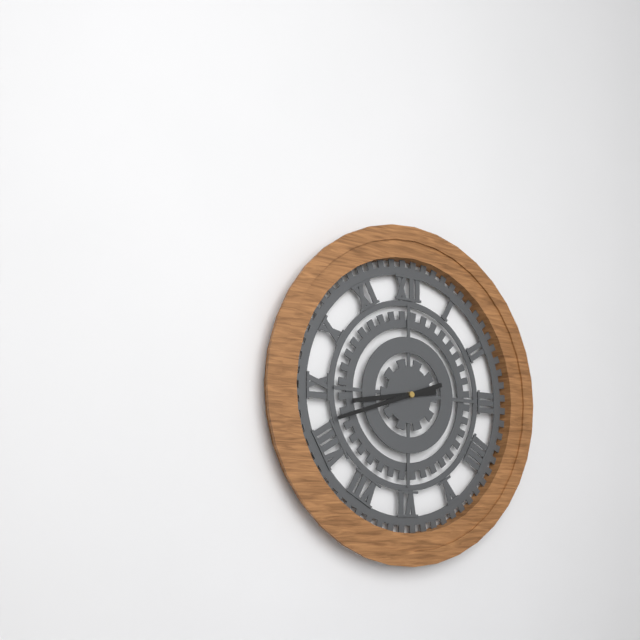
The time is **8:42**
